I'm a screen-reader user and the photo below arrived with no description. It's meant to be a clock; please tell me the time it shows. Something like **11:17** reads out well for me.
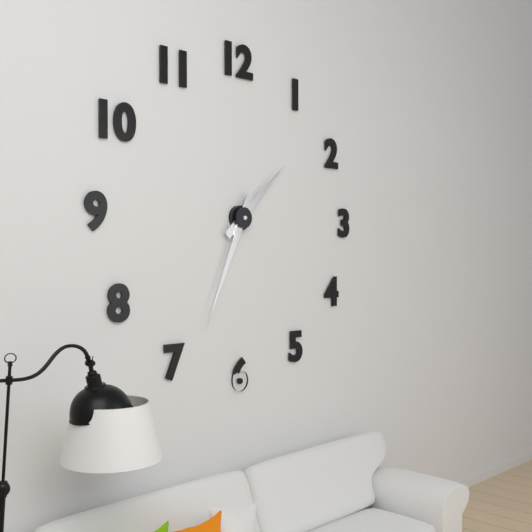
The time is **1:34**
